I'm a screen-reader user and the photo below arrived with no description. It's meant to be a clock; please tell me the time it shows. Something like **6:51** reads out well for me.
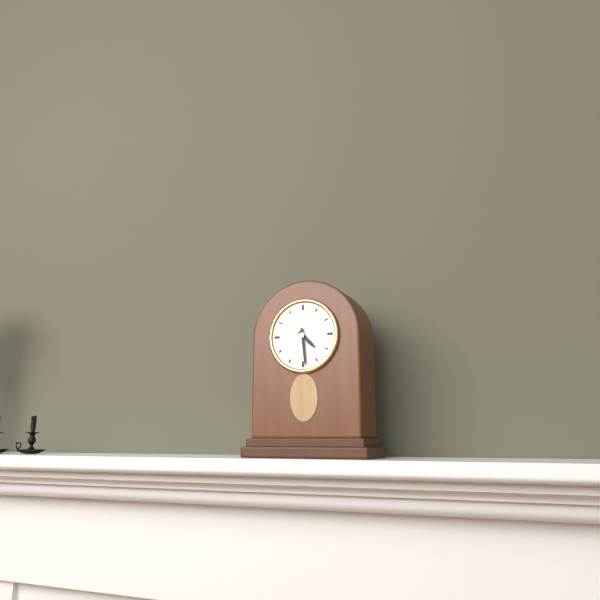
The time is **4:29**
